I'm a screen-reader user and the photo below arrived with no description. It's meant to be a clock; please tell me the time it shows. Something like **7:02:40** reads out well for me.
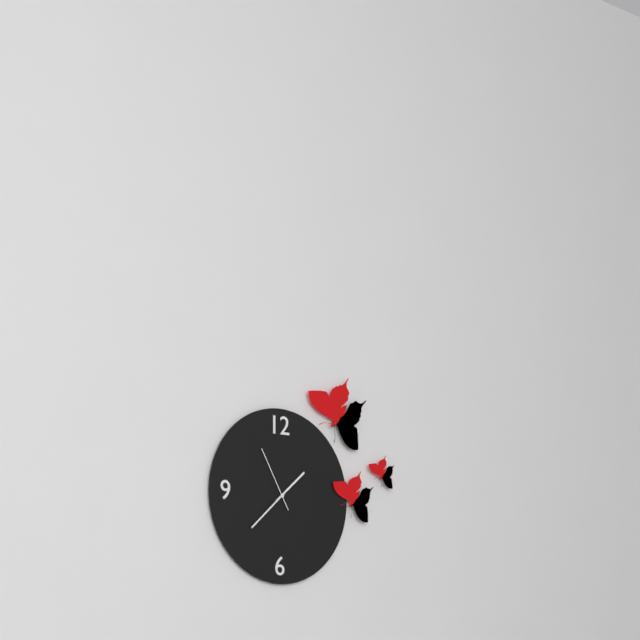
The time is **1:38:55**
